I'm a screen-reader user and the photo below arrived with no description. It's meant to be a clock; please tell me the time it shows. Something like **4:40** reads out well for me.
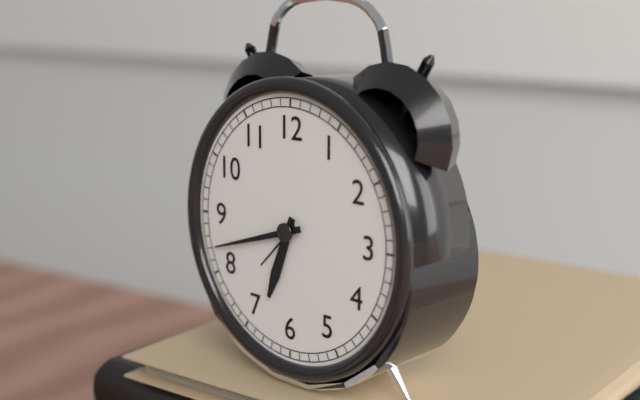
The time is **6:42**
